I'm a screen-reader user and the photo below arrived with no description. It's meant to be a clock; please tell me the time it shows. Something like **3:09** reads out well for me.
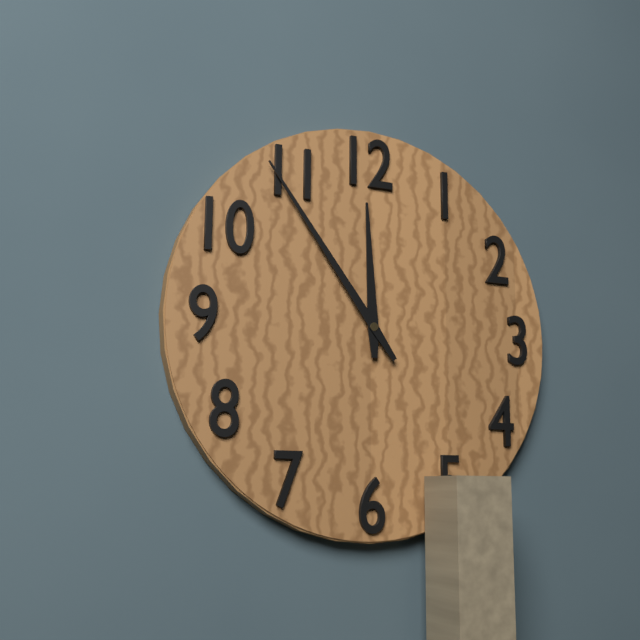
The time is **11:54**
